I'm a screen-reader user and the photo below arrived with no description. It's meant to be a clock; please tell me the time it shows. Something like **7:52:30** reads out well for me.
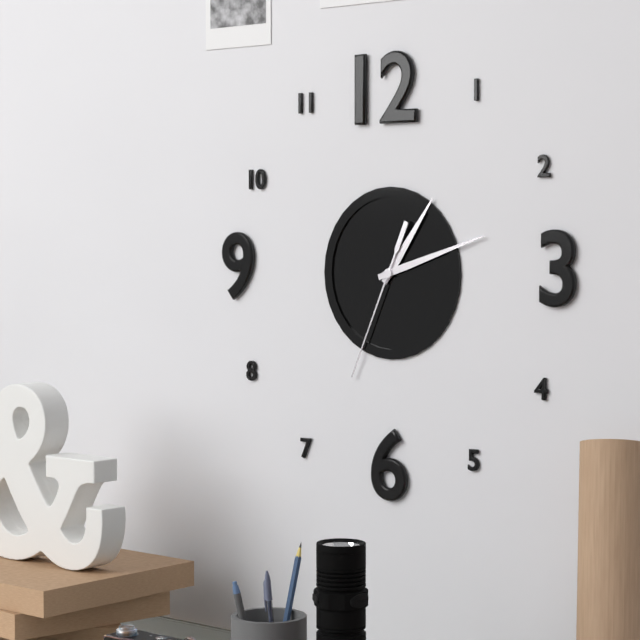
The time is **1:12:34**
